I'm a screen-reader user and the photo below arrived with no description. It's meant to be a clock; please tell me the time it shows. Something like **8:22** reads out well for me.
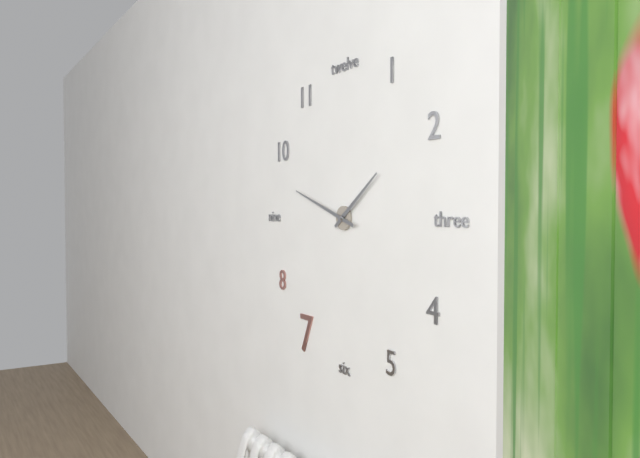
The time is **1:48**
